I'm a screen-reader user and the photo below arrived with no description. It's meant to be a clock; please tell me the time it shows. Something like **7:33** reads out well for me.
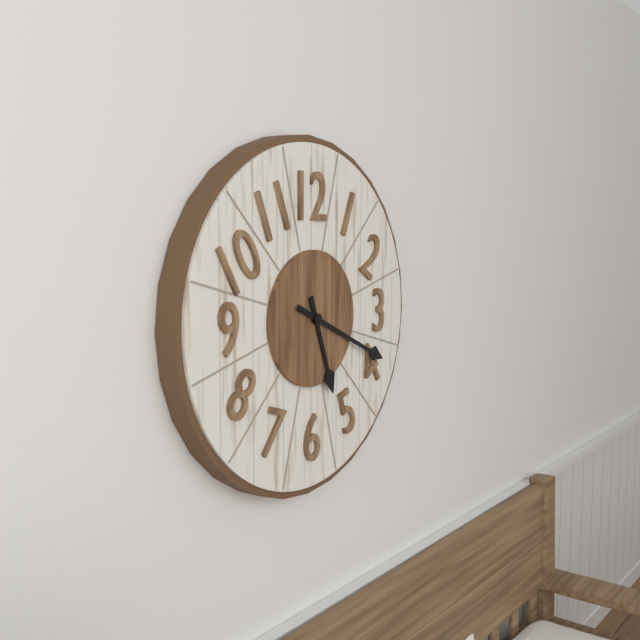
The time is **5:19**
